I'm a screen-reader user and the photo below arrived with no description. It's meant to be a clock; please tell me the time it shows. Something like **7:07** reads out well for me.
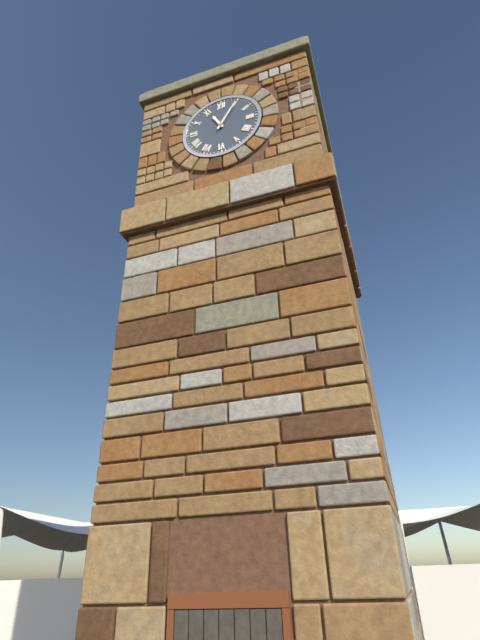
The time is **11:05**
